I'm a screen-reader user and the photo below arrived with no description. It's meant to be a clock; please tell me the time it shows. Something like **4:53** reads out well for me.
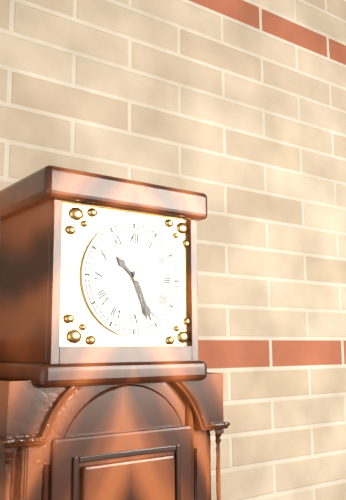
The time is **10:26**
